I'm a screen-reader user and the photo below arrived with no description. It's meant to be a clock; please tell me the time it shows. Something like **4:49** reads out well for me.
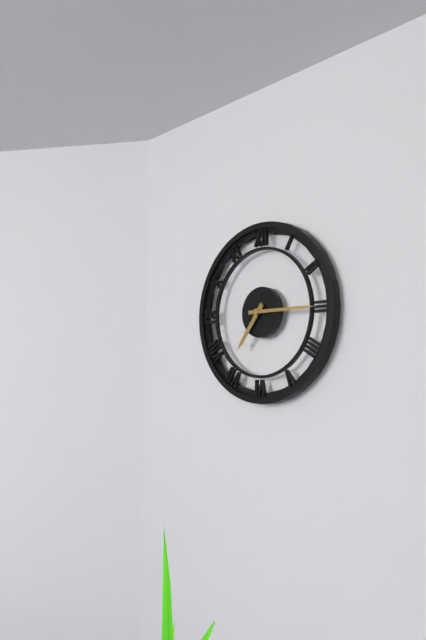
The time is **7:15**
